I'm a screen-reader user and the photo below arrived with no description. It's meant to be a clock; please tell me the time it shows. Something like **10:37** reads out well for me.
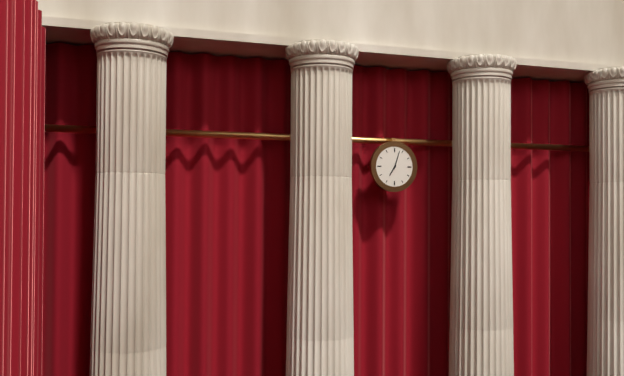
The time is **7:03**
